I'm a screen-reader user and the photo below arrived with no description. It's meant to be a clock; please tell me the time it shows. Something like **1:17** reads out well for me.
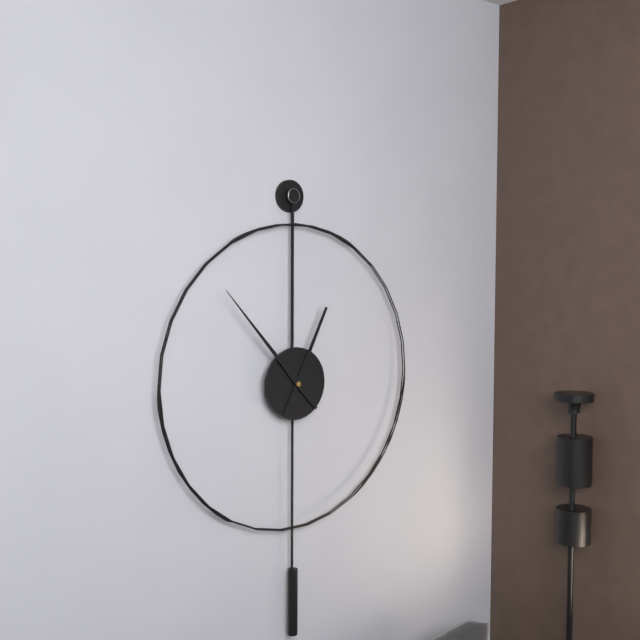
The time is **12:53**
